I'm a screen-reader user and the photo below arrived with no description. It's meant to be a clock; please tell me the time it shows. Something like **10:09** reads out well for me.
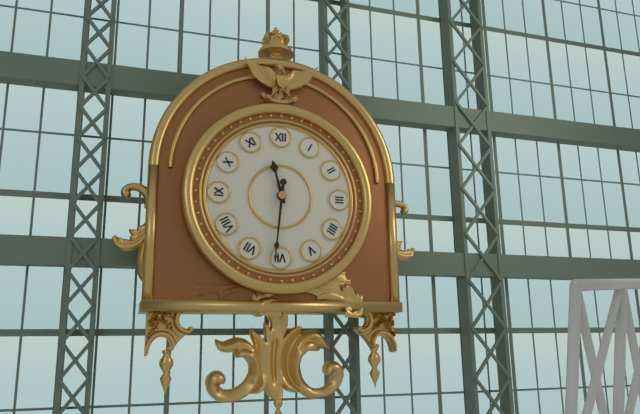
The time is **11:31**
